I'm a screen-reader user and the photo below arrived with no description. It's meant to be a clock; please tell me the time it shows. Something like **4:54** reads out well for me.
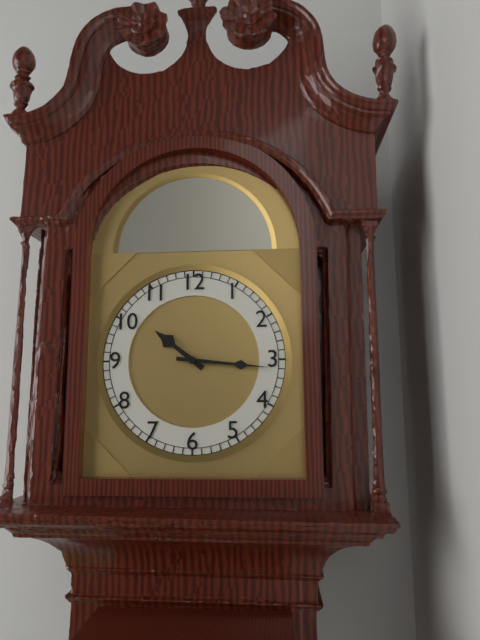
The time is **10:16**
